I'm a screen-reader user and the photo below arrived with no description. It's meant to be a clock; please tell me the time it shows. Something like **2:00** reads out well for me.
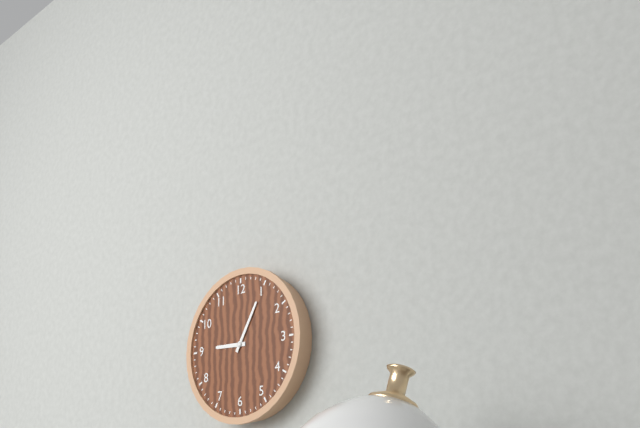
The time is **9:05**
